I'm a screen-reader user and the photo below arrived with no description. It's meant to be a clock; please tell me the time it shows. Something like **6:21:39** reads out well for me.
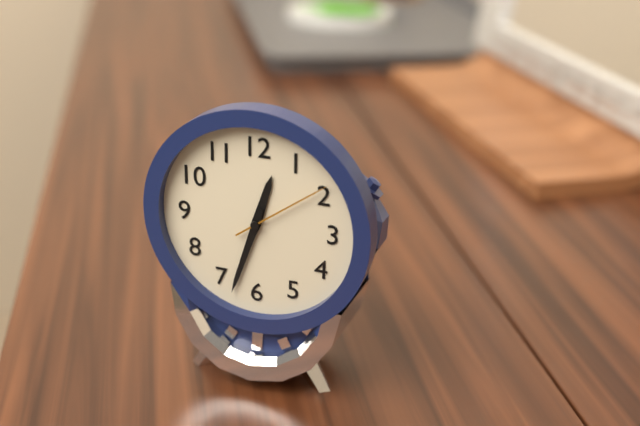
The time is **12:33:09**
